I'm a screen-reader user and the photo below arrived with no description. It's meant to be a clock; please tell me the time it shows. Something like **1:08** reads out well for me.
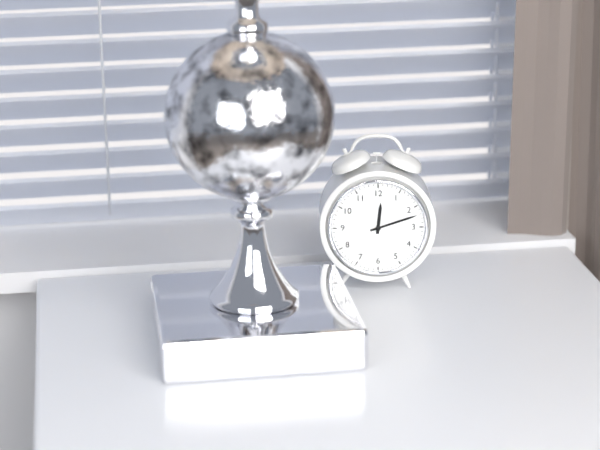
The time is **12:12**
